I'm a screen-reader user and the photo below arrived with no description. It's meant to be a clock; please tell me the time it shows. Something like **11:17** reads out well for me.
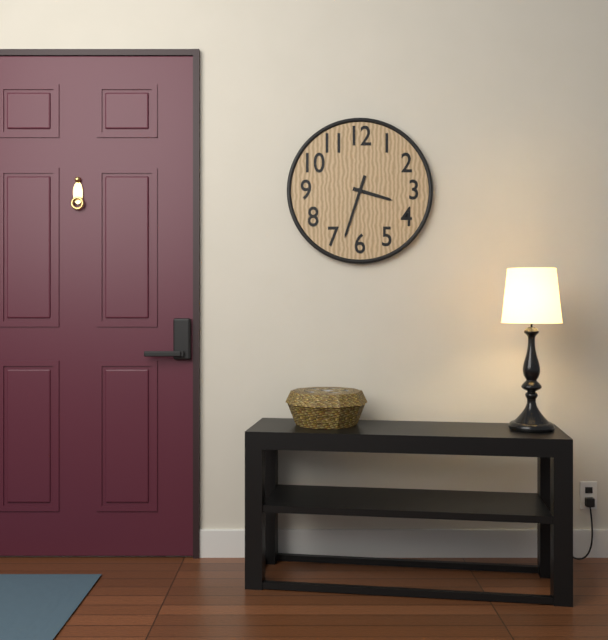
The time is **3:33**
